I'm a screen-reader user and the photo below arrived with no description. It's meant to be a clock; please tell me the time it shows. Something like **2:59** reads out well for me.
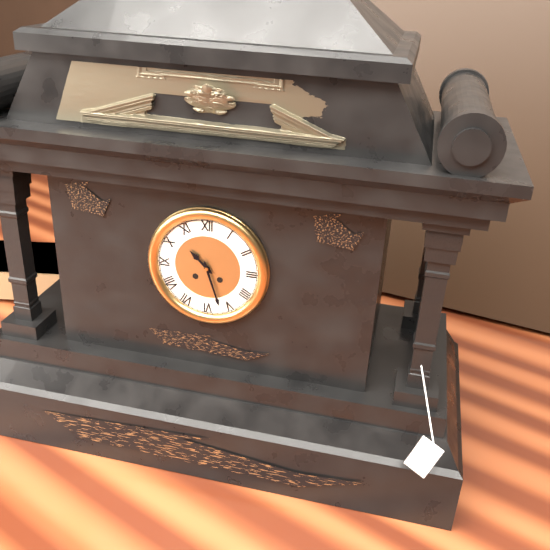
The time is **10:27**
